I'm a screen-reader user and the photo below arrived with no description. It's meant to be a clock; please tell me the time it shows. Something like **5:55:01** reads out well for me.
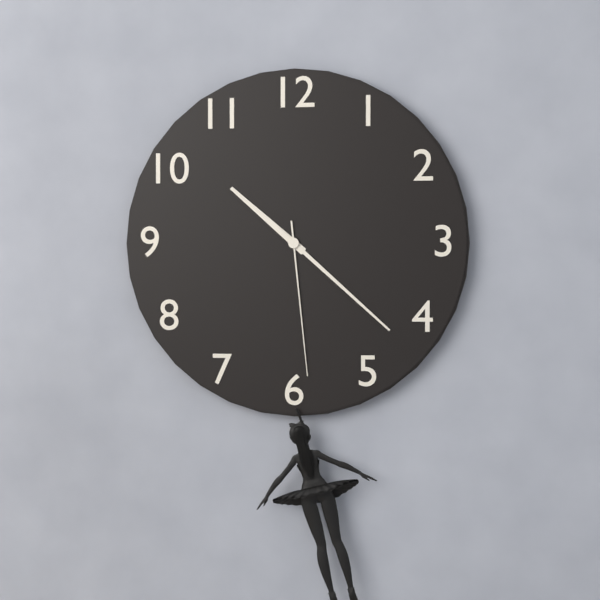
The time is **10:22:29**
